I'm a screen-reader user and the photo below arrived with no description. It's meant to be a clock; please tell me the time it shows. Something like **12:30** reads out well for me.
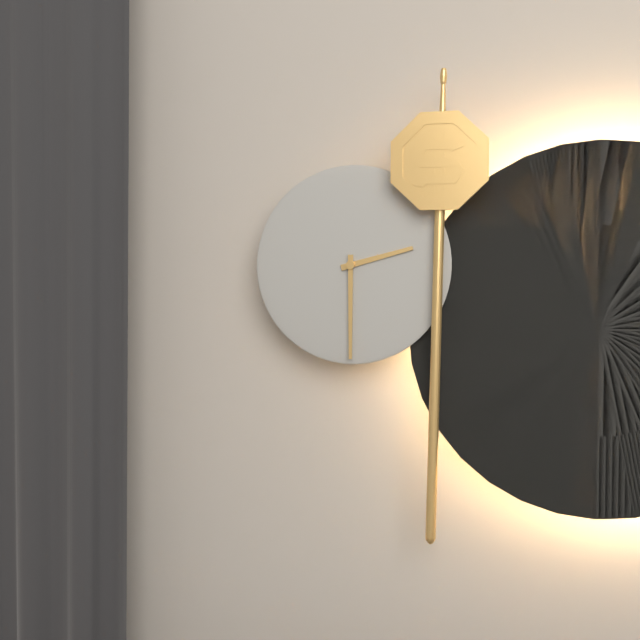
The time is **2:30**
